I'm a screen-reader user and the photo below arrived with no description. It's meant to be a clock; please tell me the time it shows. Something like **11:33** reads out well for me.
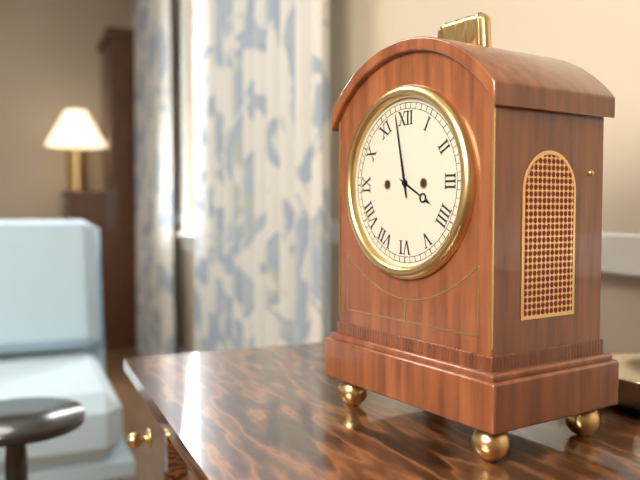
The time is **3:58**
